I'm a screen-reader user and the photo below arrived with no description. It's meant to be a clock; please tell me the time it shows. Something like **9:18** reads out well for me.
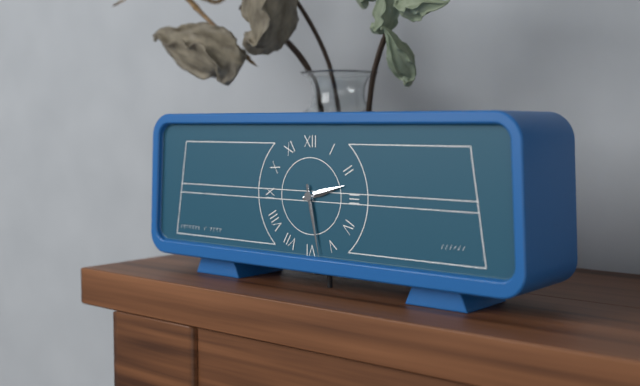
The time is **2:28**
